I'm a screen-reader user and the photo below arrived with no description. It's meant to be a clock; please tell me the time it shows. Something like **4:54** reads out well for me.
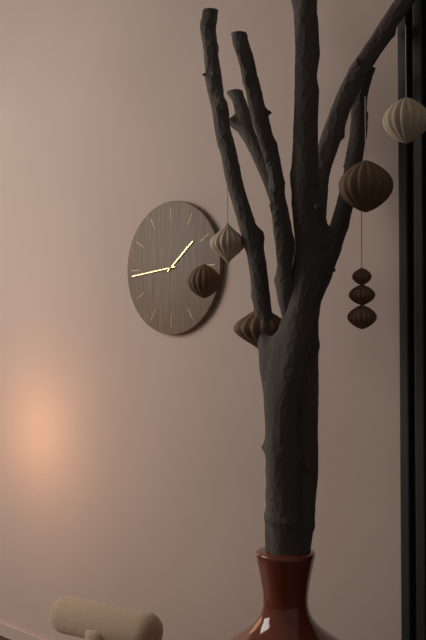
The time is **1:44**
